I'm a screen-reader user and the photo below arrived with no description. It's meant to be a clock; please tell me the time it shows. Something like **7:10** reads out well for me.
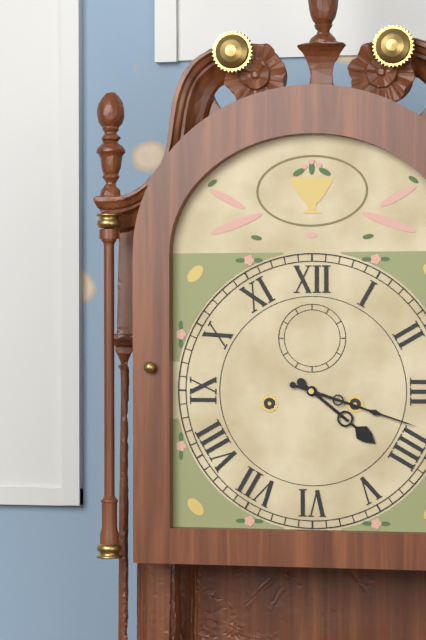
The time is **4:18**
